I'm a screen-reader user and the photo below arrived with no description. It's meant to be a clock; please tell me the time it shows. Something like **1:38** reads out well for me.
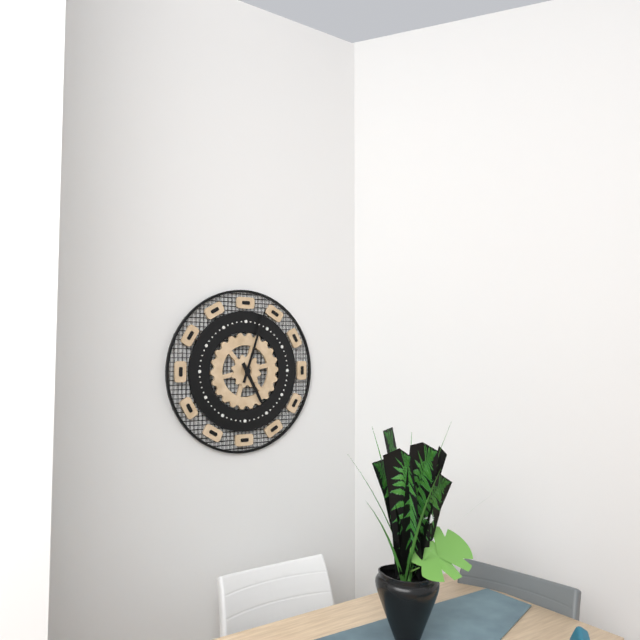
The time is **5:03**
